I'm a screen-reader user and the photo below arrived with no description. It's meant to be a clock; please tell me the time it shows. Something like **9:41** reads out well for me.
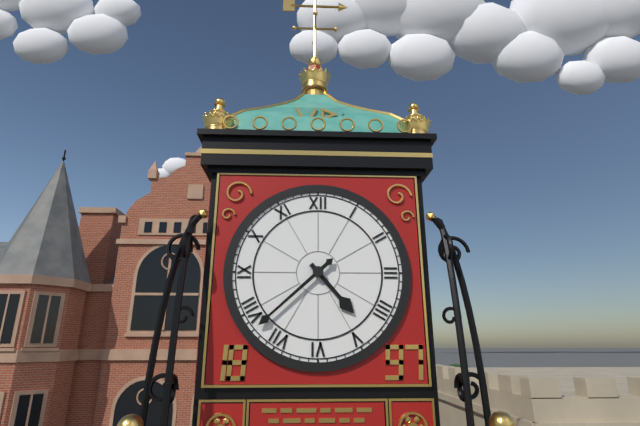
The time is **4:38**
